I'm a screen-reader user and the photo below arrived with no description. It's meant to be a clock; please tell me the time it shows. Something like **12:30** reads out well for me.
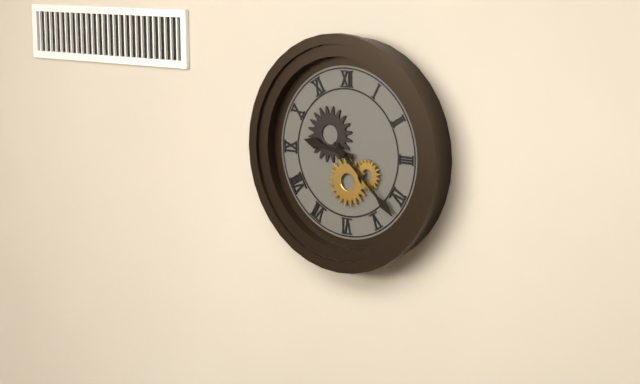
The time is **9:22**
